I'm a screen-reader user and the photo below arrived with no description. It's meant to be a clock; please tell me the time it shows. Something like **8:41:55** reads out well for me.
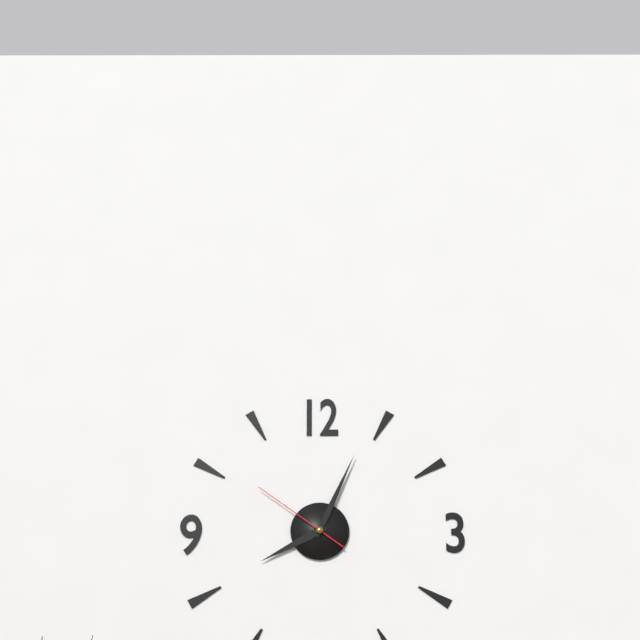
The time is **8:04:51**
